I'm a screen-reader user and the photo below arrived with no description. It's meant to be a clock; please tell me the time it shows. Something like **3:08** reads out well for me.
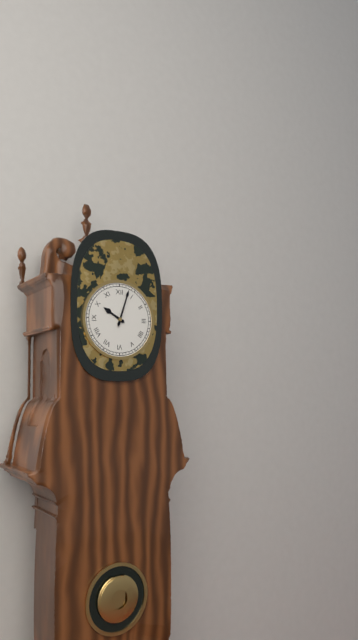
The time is **10:03**
